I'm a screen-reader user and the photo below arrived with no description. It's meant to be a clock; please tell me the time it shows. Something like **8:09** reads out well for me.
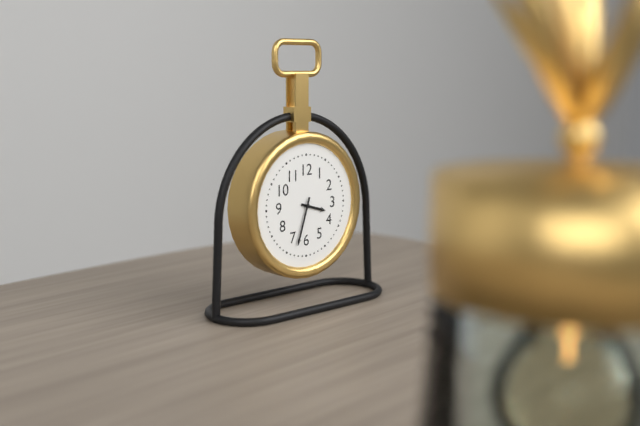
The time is **3:33**
